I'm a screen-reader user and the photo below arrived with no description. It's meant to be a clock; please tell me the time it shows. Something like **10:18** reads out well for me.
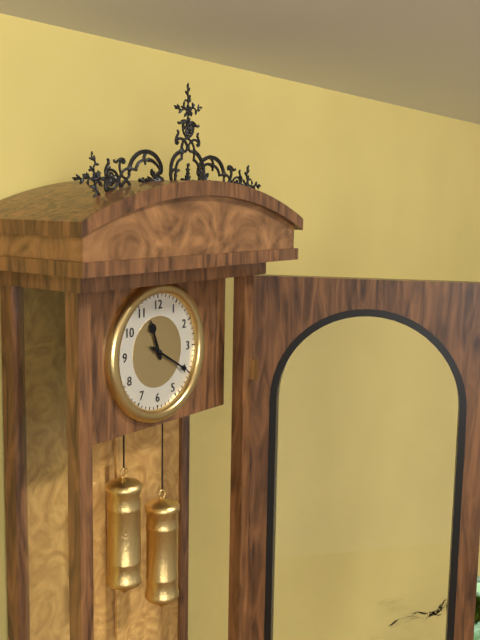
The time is **11:20**
